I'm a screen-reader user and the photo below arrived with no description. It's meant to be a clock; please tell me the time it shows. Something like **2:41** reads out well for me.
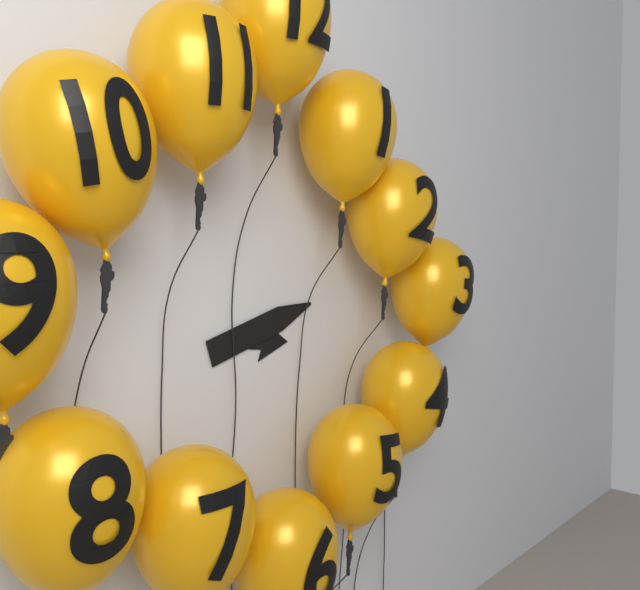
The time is **3:12**
